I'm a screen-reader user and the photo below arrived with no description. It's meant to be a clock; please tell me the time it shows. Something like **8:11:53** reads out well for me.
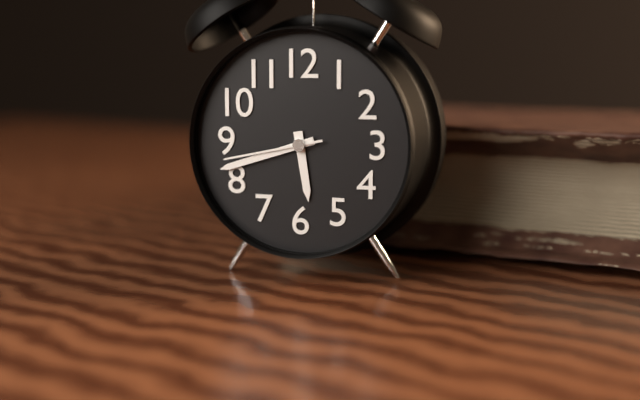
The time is **5:42:43**
